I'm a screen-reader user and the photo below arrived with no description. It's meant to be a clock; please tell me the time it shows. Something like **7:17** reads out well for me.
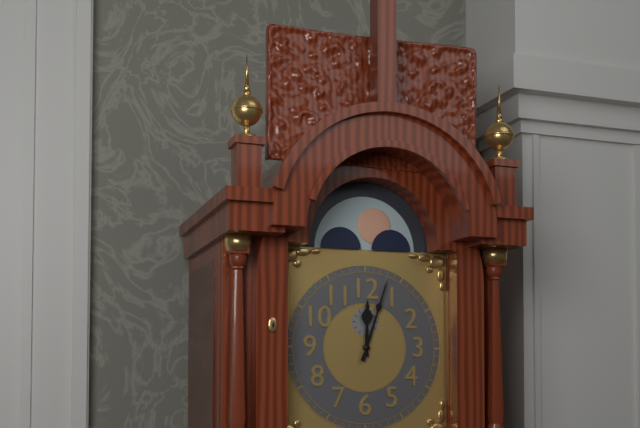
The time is **12:03**
